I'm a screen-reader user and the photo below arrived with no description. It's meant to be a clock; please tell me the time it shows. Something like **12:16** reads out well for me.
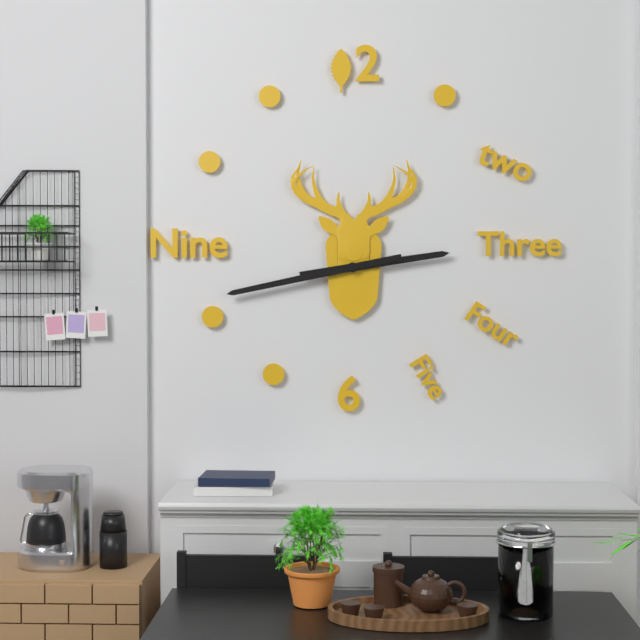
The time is **2:43**
